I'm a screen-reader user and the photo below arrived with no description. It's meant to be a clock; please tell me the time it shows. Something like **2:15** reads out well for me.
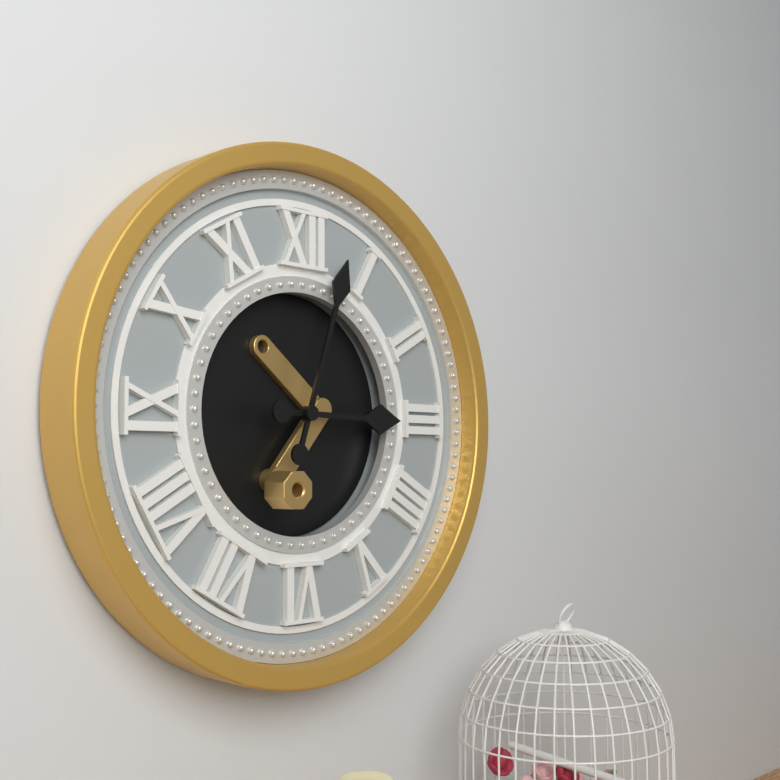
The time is **3:03**
